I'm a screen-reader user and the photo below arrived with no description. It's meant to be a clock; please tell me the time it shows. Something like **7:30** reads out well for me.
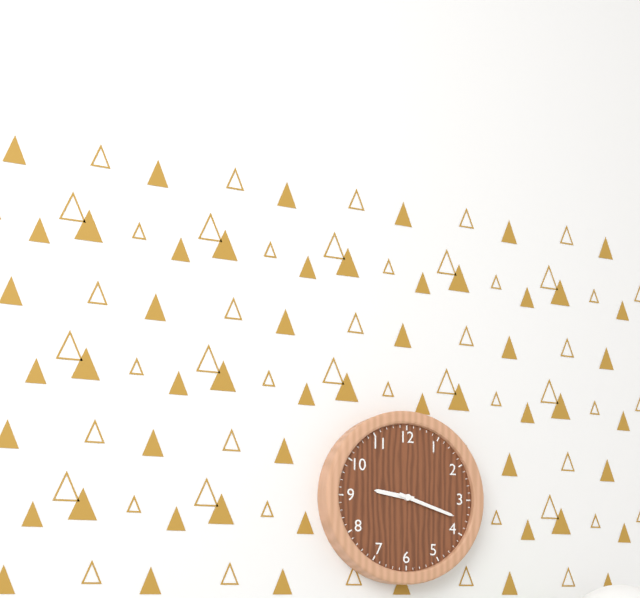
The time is **9:18**
